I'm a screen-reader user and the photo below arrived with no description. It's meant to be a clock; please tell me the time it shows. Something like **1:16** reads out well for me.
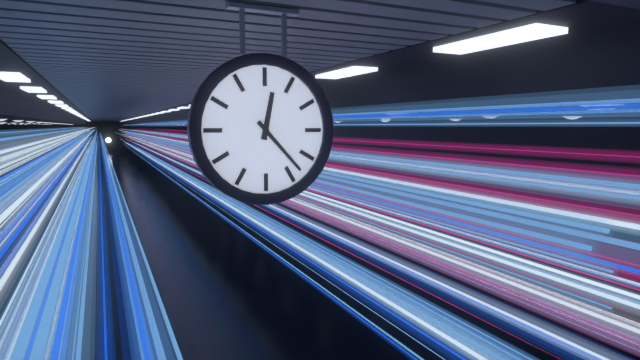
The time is **12:23**
